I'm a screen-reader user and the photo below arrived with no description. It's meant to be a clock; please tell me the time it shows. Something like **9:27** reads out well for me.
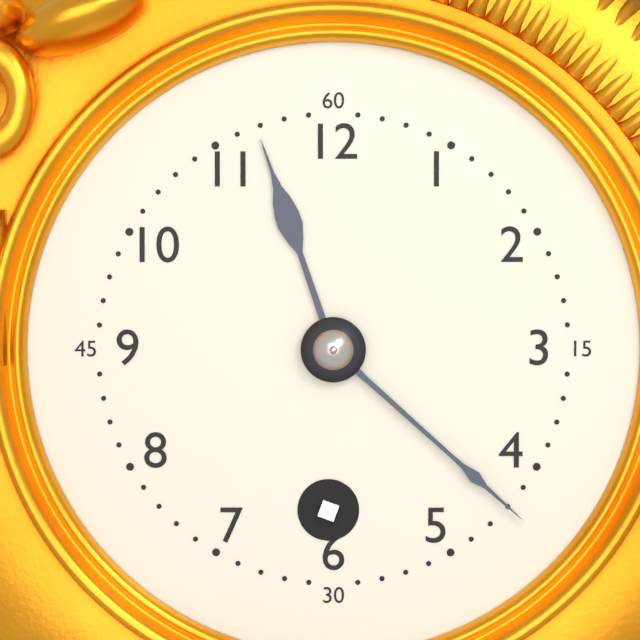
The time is **11:22**
